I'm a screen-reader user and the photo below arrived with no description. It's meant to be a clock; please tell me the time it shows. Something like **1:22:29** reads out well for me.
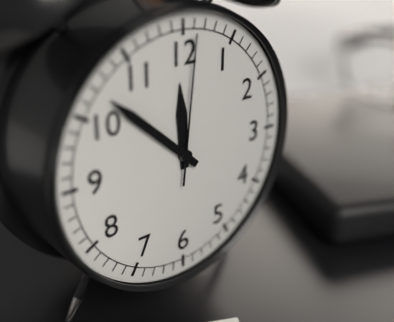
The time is **11:52:01**
